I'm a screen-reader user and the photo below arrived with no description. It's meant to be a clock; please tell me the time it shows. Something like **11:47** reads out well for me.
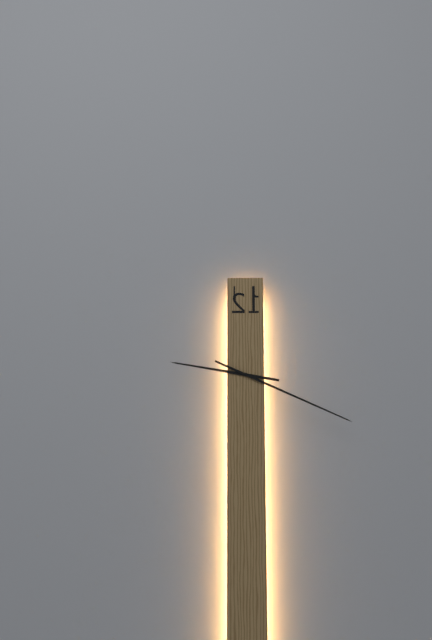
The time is **9:19**
